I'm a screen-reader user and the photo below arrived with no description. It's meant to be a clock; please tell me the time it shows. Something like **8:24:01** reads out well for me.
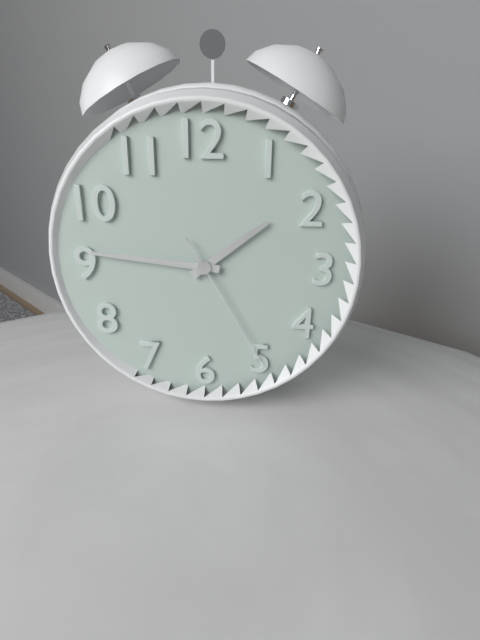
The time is **1:46:25**
